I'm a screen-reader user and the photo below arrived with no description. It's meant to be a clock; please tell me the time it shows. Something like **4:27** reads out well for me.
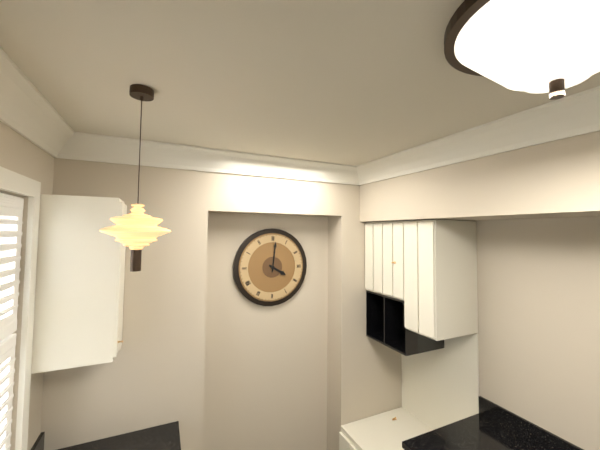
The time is **4:01**
